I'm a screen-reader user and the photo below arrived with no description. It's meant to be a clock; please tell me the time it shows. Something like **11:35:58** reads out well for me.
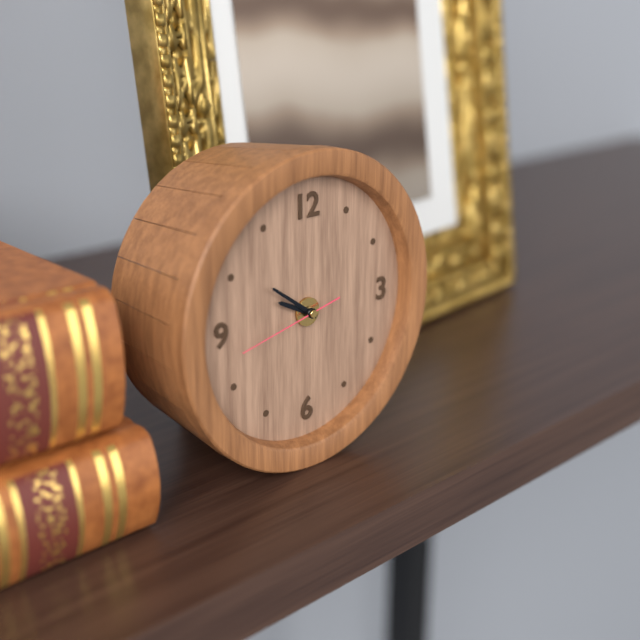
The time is **9:51:43**
